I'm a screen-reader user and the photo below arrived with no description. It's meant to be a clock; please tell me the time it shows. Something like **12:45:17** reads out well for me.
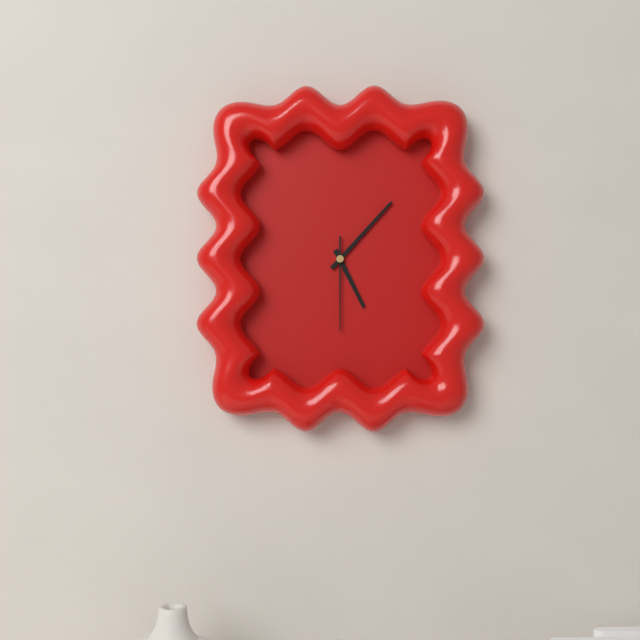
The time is **5:07:30**
